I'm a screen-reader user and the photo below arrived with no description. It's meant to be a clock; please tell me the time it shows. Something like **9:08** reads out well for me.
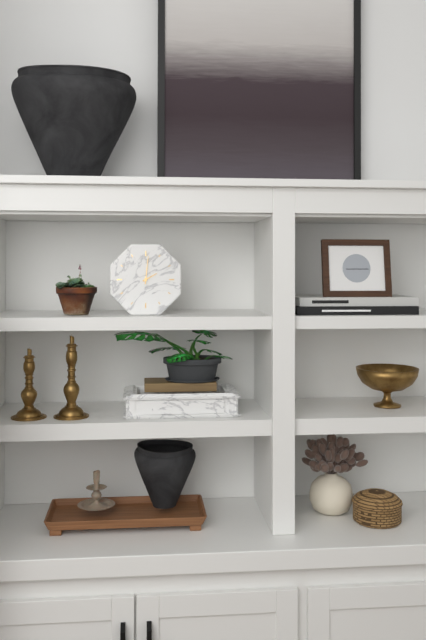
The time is **2:01**
